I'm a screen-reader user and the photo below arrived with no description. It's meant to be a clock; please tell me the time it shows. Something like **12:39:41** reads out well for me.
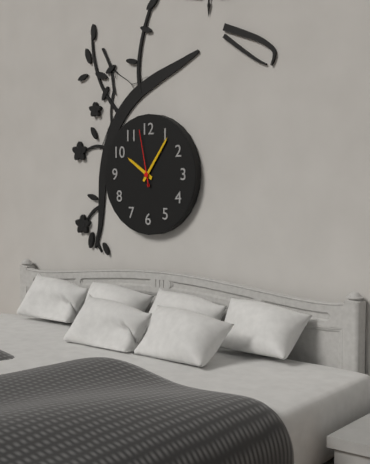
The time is **10:06:58**
